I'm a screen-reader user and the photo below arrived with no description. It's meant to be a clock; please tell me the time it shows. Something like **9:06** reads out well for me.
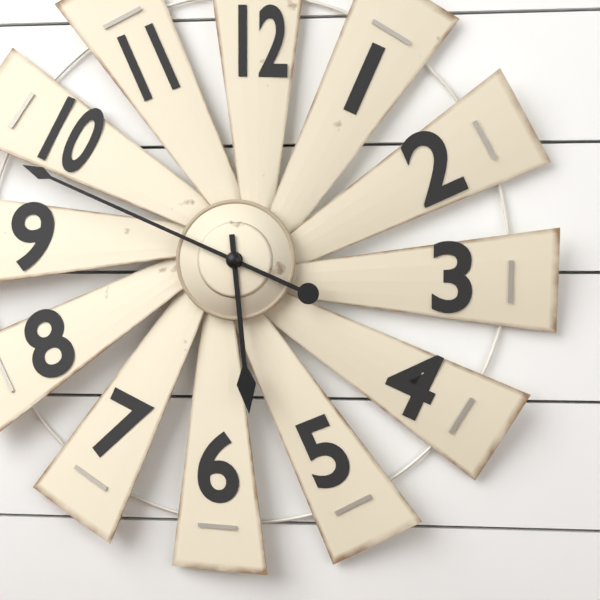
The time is **5:49**
